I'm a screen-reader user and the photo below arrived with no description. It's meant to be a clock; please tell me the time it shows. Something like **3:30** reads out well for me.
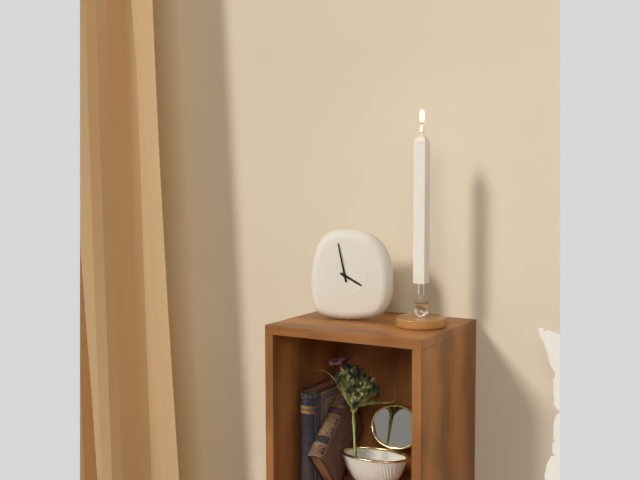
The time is **3:58**
